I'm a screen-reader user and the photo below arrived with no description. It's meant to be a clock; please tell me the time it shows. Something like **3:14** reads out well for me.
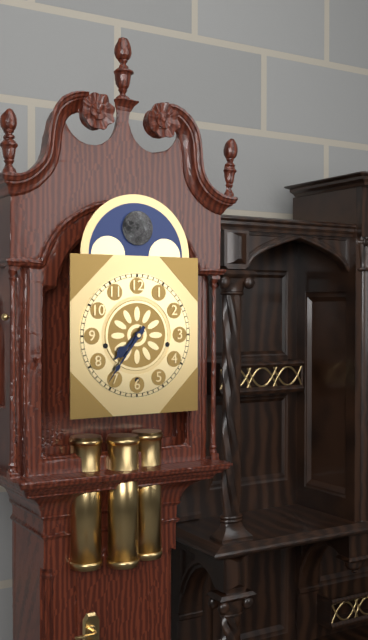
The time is **7:36**
